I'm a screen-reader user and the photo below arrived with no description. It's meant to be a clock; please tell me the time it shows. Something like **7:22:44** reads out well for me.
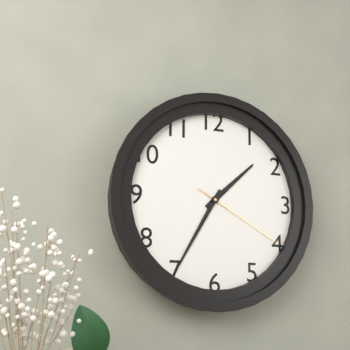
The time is **1:35:20**
